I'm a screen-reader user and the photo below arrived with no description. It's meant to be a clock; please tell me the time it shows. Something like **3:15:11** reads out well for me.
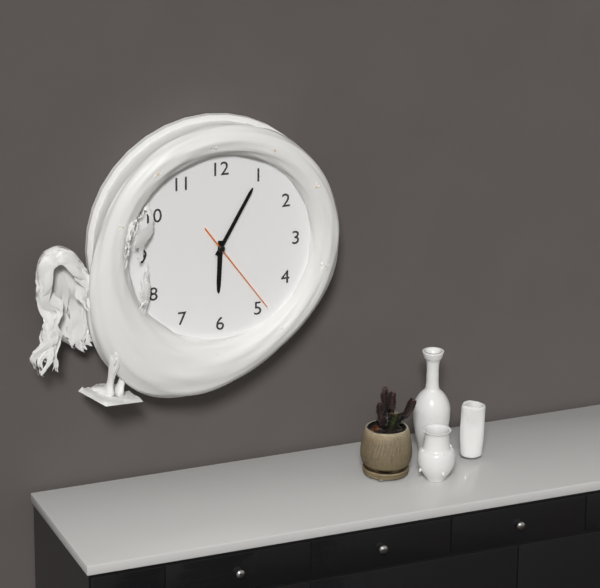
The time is **6:05:24**
